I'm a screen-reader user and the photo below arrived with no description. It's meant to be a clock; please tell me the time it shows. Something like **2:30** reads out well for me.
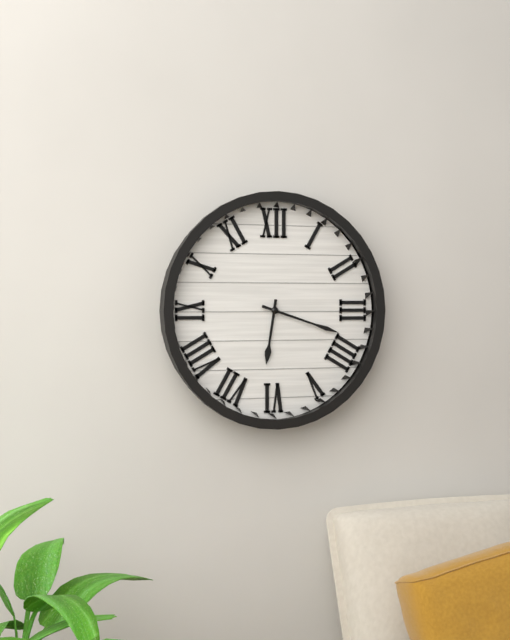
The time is **6:18**
